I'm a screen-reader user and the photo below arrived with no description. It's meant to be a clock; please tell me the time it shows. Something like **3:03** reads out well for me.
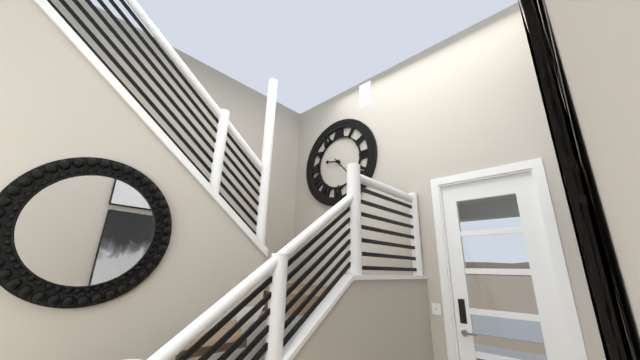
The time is **9:23**
